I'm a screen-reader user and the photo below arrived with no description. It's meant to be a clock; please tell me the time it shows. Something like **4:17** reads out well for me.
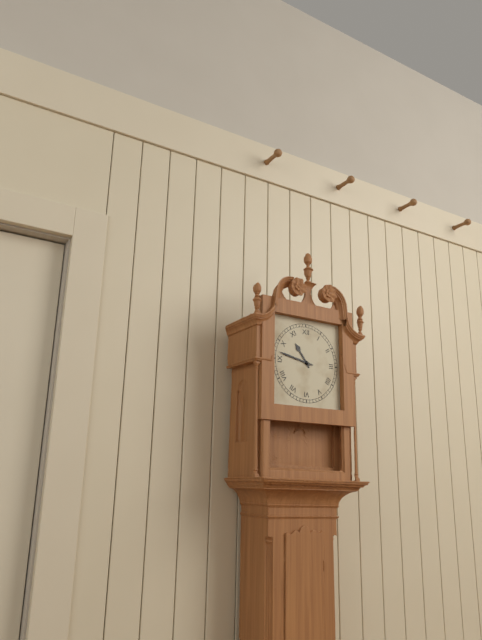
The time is **10:47**
